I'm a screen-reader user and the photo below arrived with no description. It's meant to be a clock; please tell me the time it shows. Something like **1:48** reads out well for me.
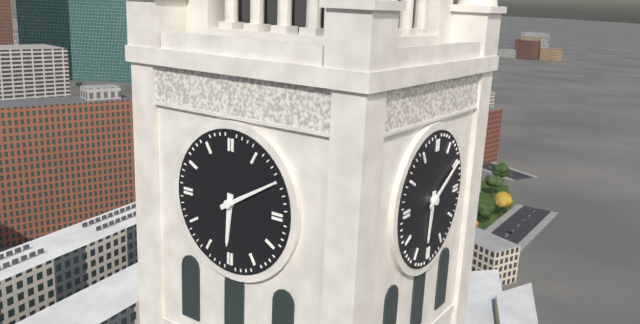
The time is **6:10**
